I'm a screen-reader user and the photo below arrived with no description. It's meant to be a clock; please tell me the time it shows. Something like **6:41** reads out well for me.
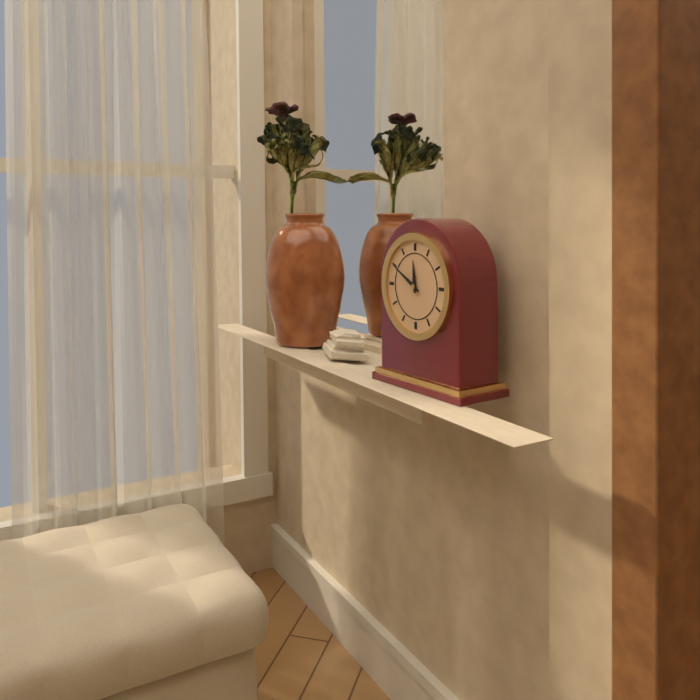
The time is **11:50**
